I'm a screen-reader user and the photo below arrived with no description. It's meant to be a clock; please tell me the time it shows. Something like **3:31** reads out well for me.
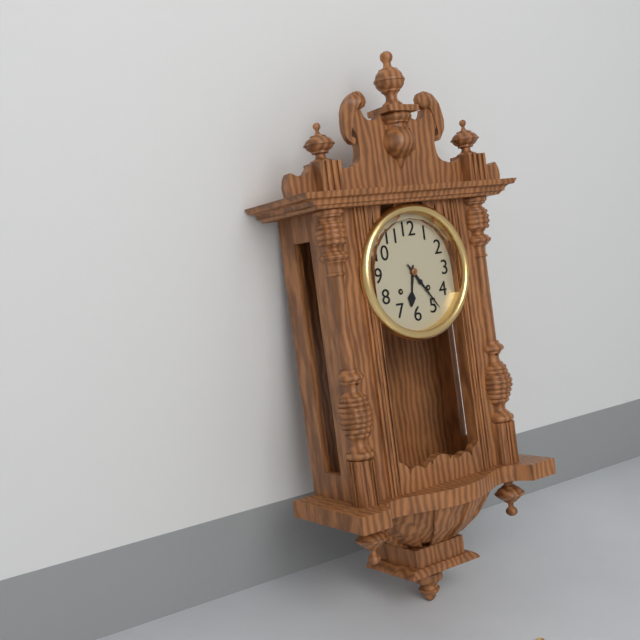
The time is **6:24**
